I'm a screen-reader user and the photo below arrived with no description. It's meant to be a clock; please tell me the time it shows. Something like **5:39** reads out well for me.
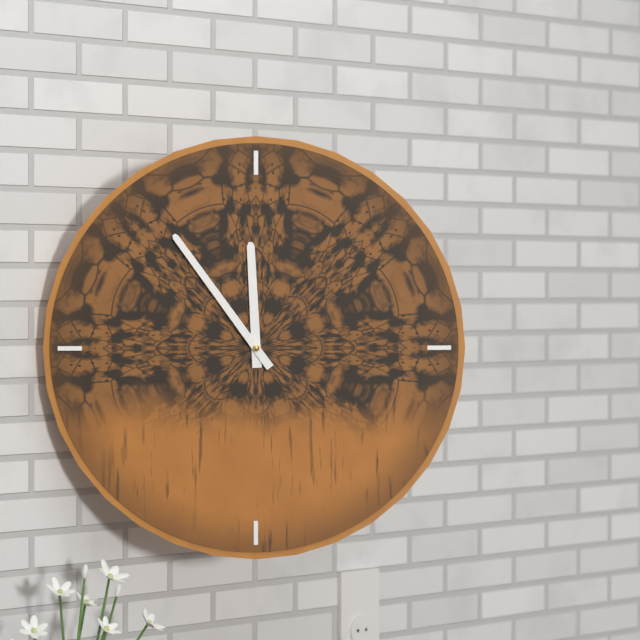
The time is **11:54**
